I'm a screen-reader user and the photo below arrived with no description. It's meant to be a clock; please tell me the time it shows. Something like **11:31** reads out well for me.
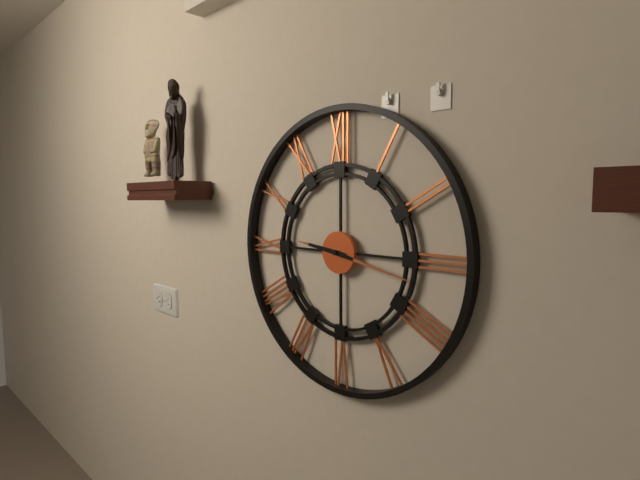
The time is **9:17**
